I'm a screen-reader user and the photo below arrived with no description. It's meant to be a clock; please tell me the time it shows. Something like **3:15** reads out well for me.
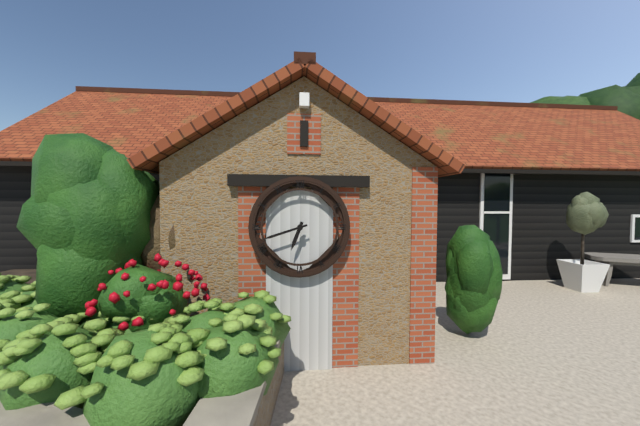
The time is **6:42**
